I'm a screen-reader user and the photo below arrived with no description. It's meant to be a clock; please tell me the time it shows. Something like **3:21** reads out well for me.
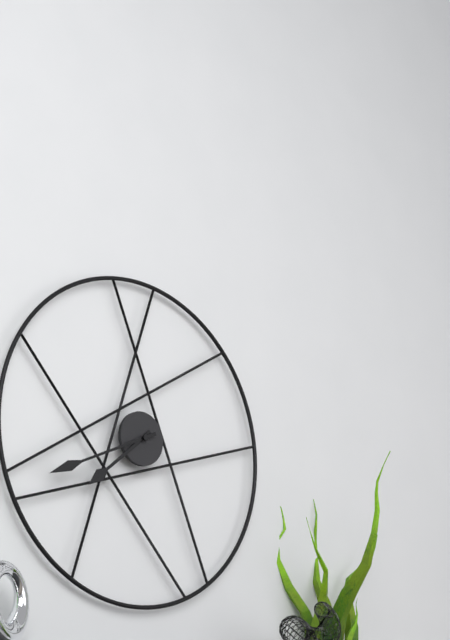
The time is **7:41**
